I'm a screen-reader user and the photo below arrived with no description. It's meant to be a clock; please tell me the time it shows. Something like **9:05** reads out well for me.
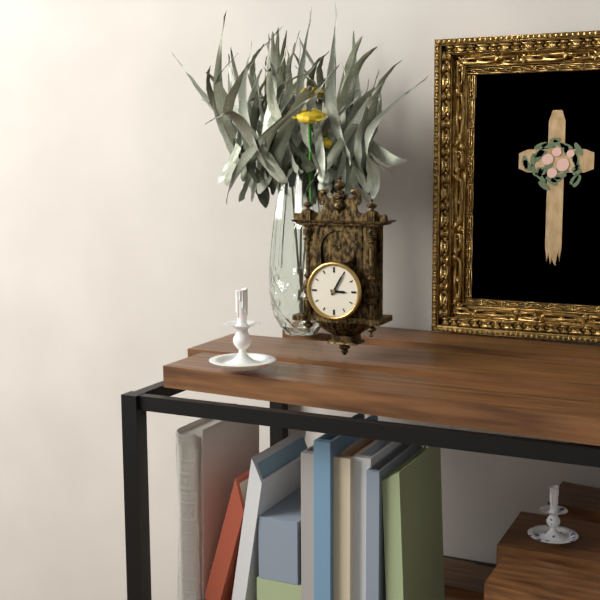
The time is **3:05**
